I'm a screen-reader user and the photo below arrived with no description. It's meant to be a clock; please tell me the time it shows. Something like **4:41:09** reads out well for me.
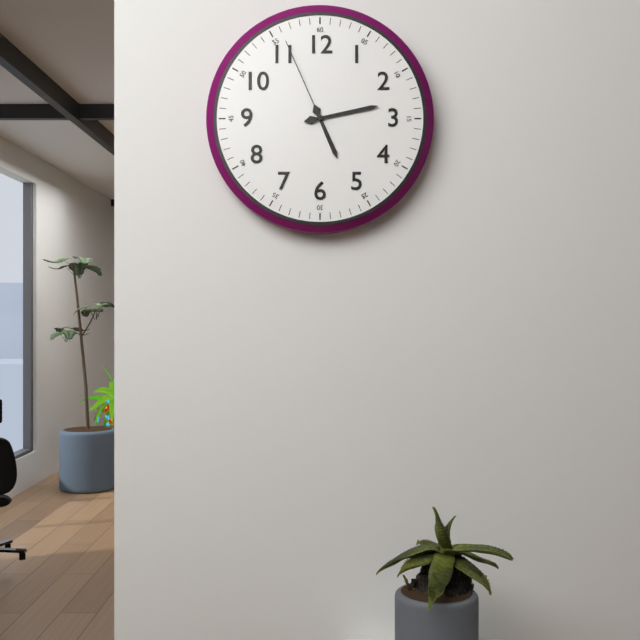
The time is **5:13:56**
